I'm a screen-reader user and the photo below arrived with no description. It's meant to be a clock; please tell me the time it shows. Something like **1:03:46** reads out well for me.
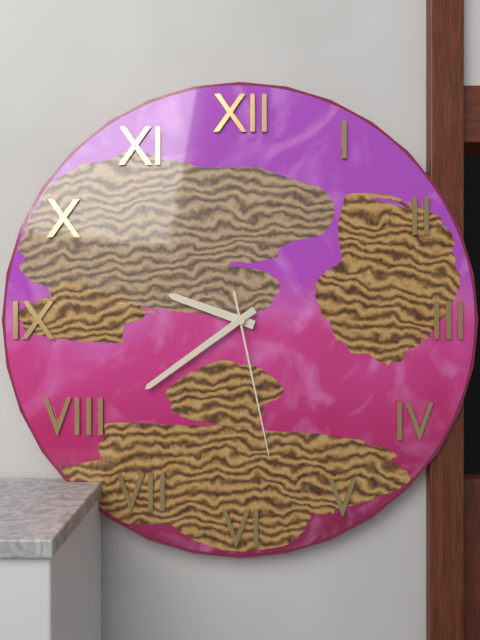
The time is **9:39:28**
